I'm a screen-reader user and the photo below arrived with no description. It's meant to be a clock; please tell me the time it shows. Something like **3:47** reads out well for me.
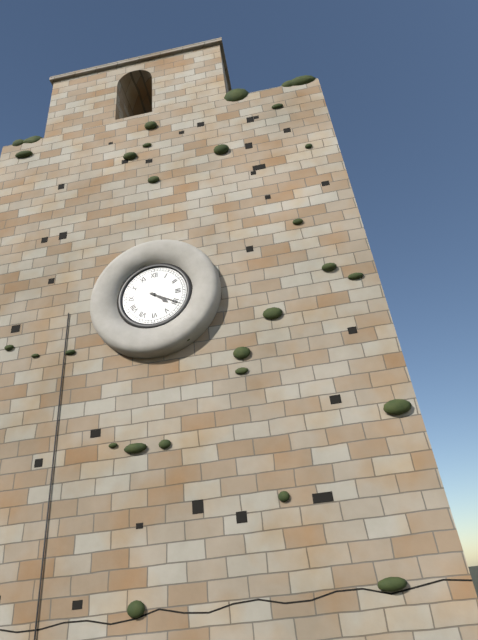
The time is **4:20**
